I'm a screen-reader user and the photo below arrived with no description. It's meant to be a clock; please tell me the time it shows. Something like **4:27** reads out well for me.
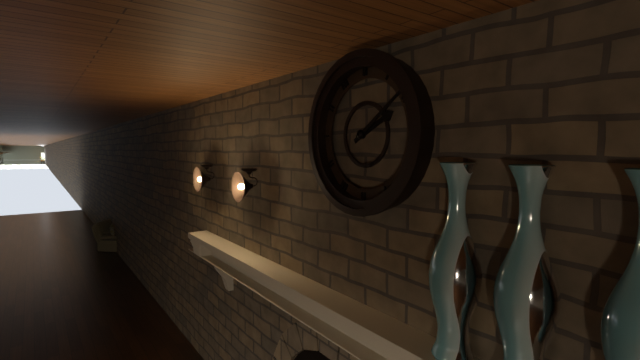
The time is **2:09**
